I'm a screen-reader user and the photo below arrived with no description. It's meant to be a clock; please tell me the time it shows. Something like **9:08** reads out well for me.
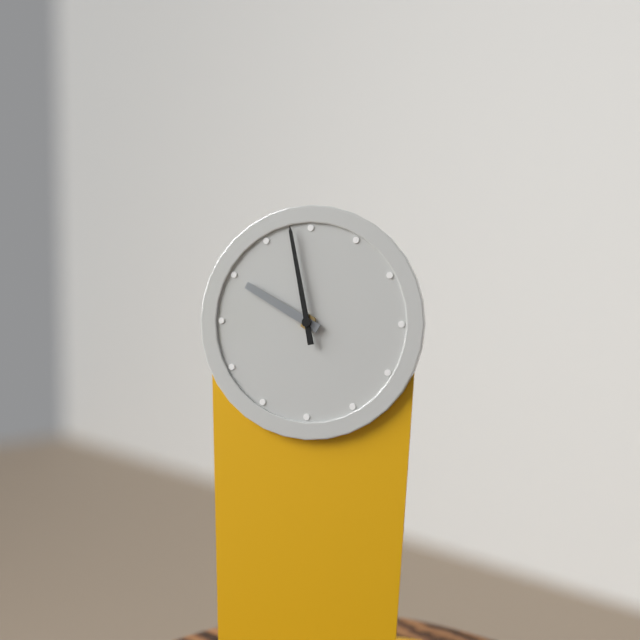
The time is **9:58**
